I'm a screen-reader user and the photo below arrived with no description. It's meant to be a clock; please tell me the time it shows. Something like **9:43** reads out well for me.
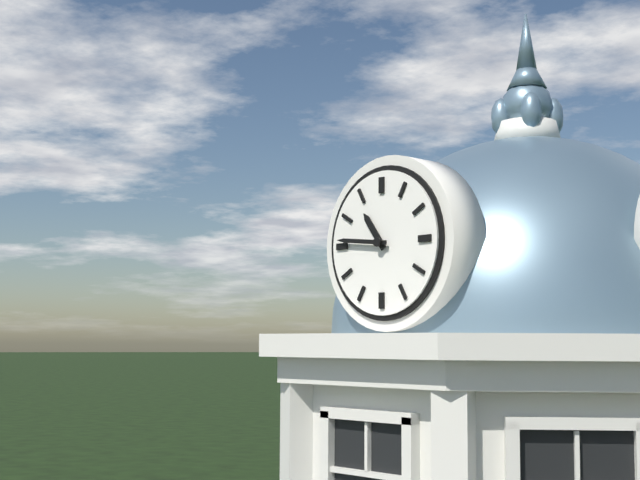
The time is **10:46**
